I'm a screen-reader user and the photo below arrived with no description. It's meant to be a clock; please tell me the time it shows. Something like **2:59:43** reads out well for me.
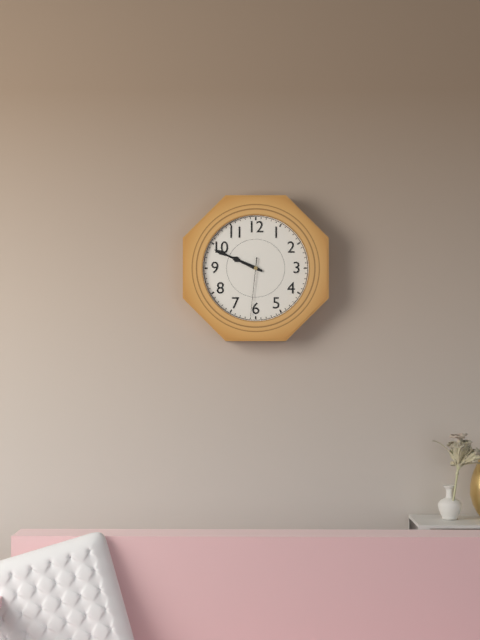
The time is **9:49:31**
